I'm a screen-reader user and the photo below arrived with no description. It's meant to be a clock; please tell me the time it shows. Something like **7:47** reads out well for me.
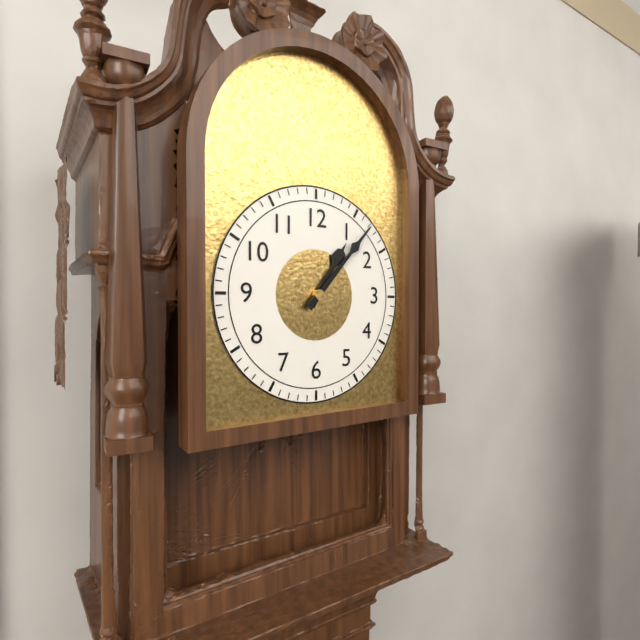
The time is **1:07**
